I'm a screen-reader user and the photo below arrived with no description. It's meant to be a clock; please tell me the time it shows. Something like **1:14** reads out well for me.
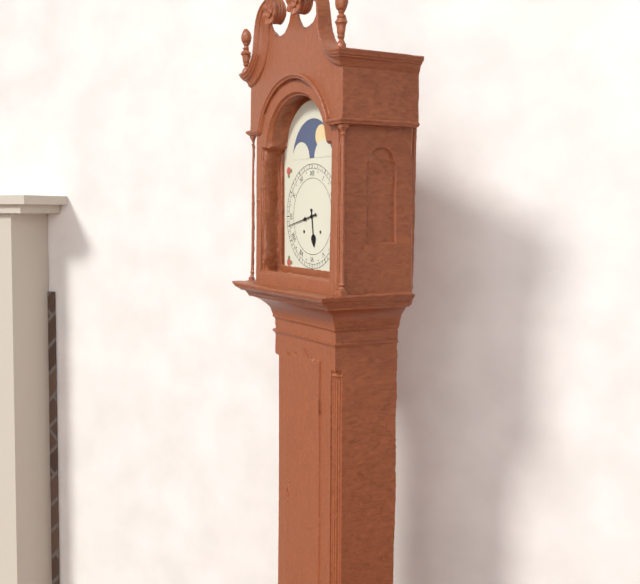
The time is **5:43**
